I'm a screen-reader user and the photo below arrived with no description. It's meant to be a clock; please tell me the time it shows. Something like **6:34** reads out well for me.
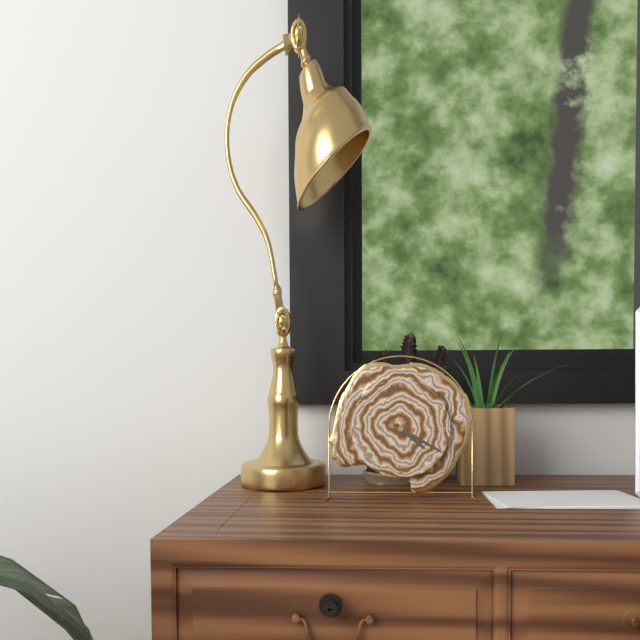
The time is **4:20**
